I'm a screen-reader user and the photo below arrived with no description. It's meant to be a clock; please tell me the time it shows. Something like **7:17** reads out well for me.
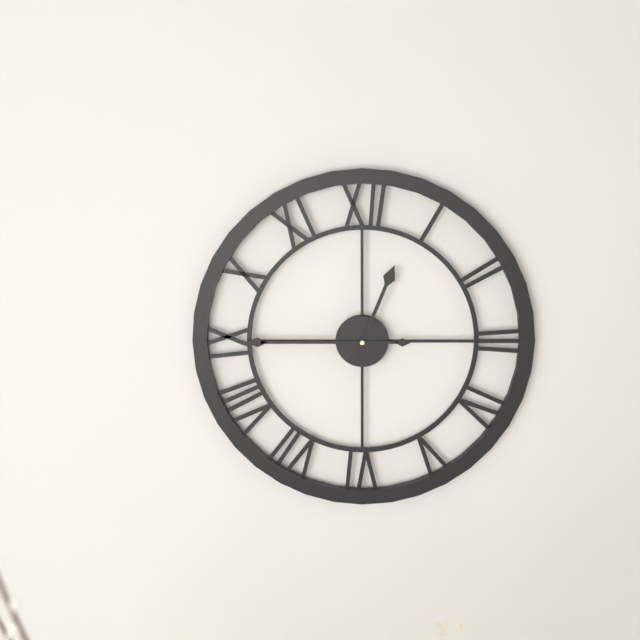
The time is **12:45**
